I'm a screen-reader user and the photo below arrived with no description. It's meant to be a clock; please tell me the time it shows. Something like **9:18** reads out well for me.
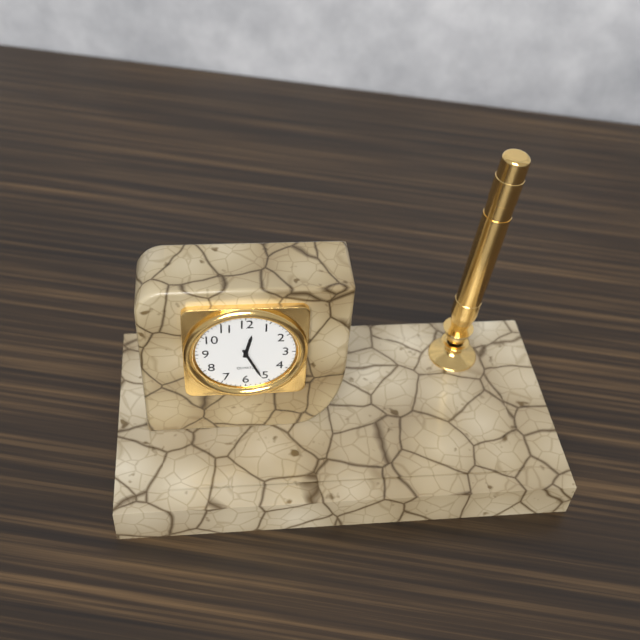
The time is **12:26**
